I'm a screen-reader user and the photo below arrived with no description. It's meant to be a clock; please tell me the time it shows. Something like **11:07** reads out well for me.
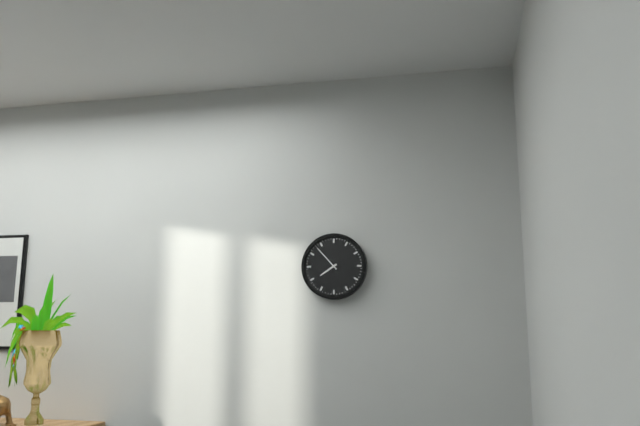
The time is **7:53**
